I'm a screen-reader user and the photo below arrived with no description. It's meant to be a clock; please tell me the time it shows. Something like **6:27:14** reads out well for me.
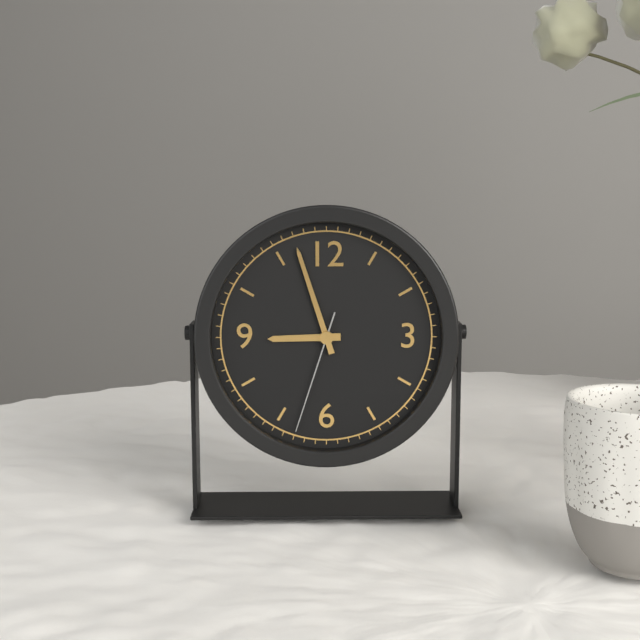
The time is **8:57:33**
